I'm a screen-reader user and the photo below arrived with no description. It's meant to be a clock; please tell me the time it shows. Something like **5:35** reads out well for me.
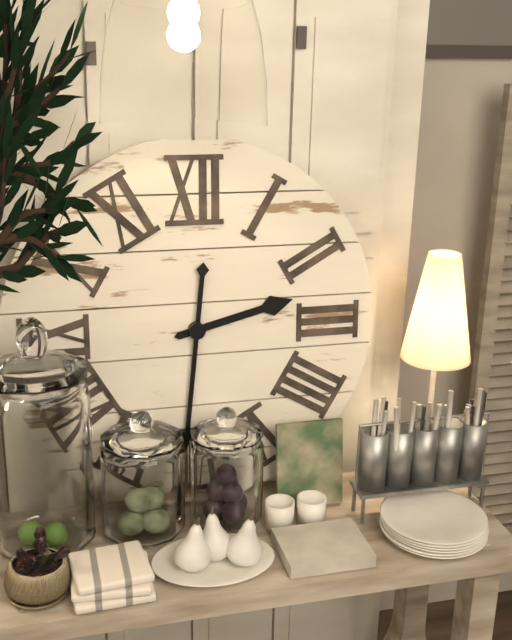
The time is **2:31**
